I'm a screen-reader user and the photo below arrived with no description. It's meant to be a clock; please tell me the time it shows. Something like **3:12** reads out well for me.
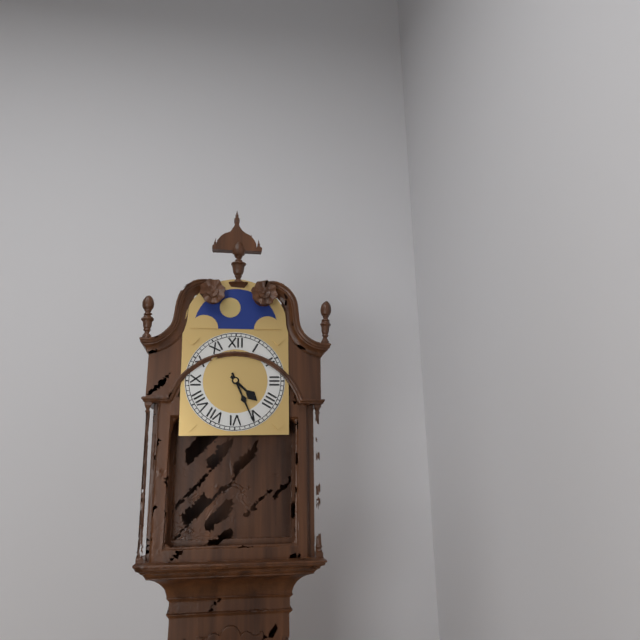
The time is **4:26**
